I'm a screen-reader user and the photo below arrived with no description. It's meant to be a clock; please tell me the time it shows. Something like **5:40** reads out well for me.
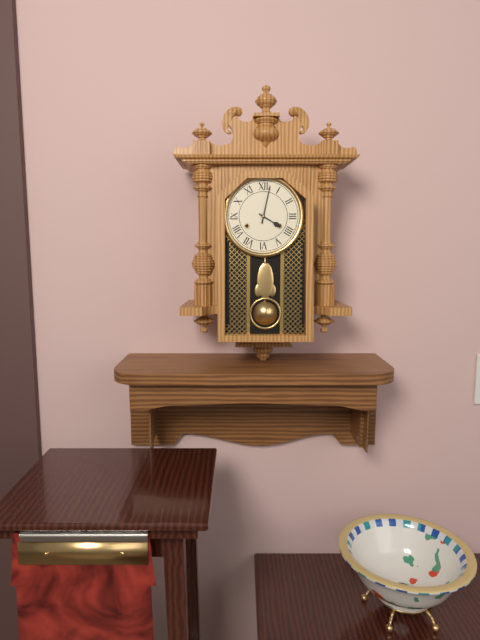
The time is **4:02**
